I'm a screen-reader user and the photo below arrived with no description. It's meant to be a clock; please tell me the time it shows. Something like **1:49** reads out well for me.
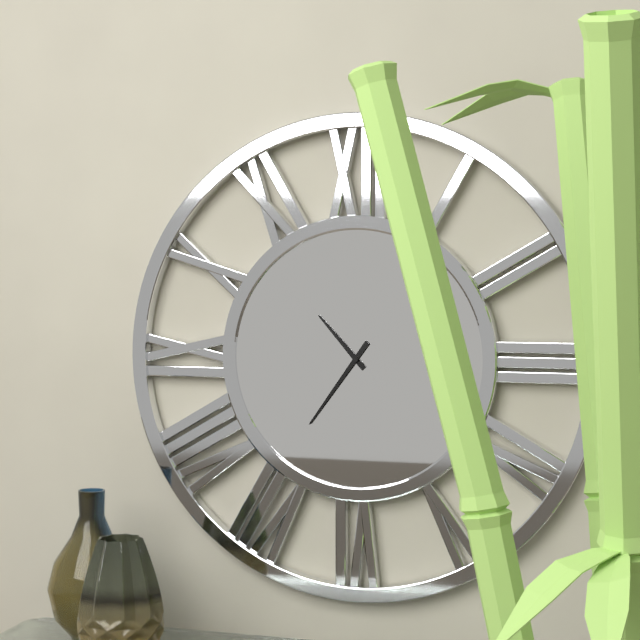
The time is **10:36**
